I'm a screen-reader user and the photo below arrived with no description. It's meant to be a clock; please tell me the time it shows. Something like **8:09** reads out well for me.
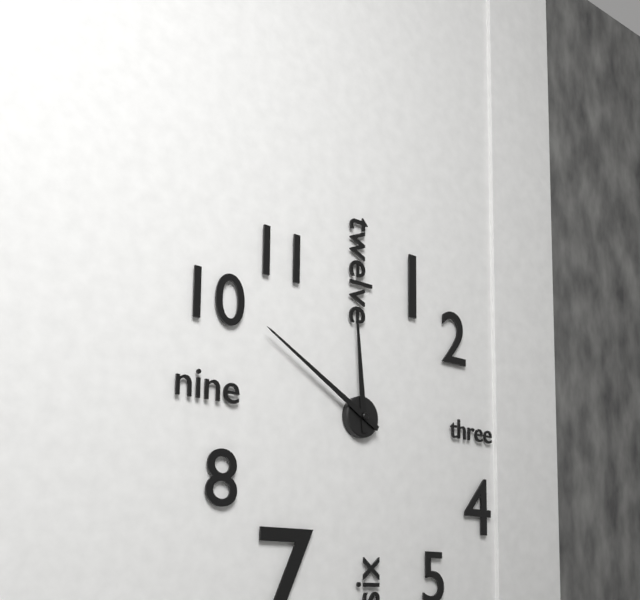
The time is **11:50**
